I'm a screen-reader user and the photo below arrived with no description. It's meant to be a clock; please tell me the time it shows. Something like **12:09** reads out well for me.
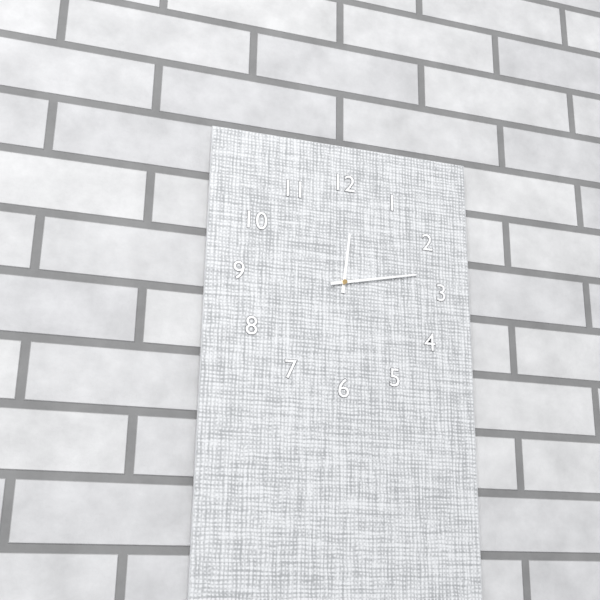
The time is **12:13**
